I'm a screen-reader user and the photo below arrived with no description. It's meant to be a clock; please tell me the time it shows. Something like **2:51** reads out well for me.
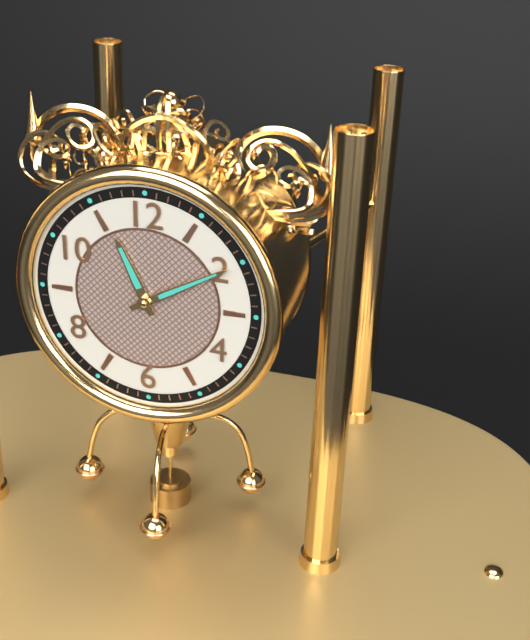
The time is **11:10**
